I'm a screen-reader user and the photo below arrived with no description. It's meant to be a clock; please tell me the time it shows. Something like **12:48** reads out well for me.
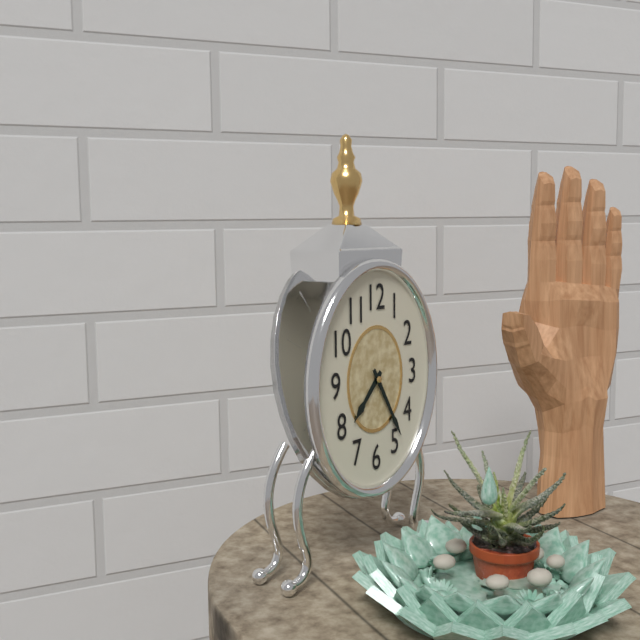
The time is **7:25**
